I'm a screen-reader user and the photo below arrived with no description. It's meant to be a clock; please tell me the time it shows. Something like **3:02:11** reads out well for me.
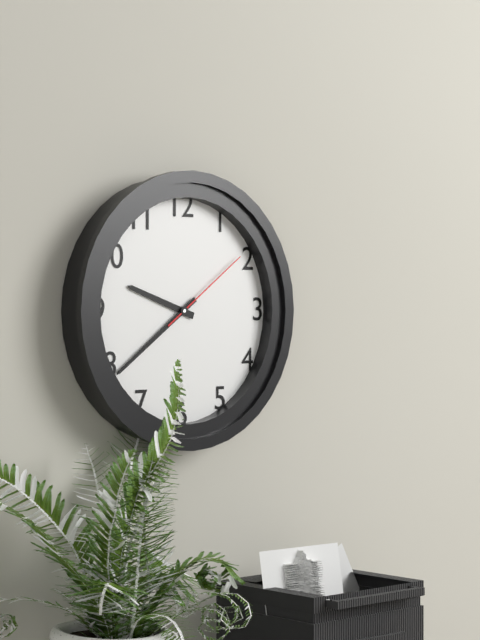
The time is **9:39:09**
